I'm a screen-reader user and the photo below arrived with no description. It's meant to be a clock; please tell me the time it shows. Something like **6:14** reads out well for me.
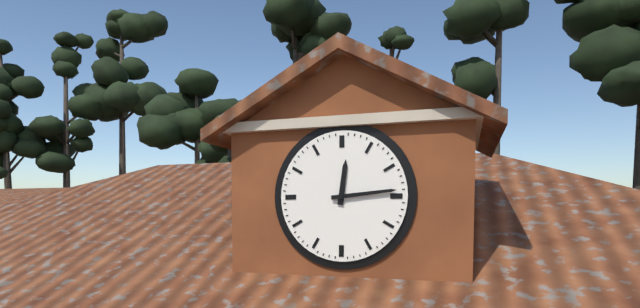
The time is **12:14**
